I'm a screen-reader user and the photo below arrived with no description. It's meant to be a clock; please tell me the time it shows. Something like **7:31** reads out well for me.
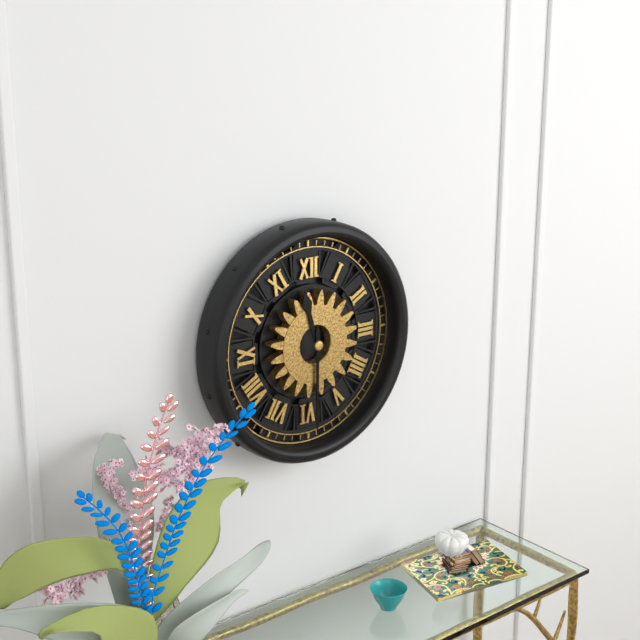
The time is **11:30**
